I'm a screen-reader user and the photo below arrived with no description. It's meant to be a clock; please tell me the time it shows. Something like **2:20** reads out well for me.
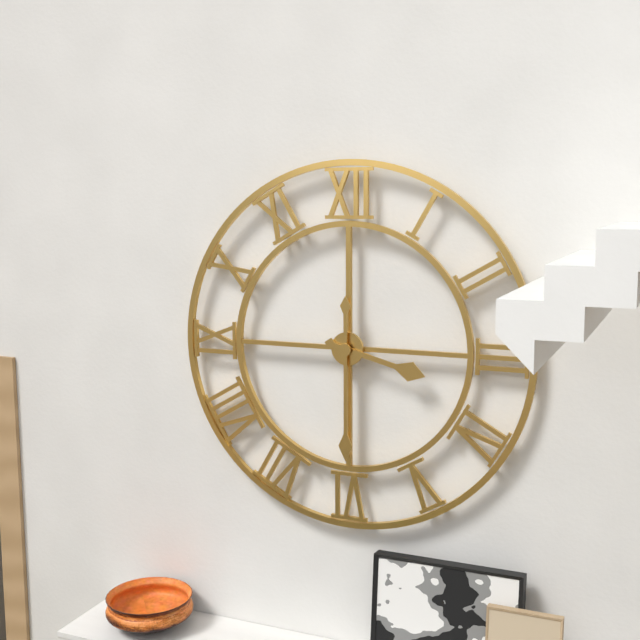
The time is **3:30**
